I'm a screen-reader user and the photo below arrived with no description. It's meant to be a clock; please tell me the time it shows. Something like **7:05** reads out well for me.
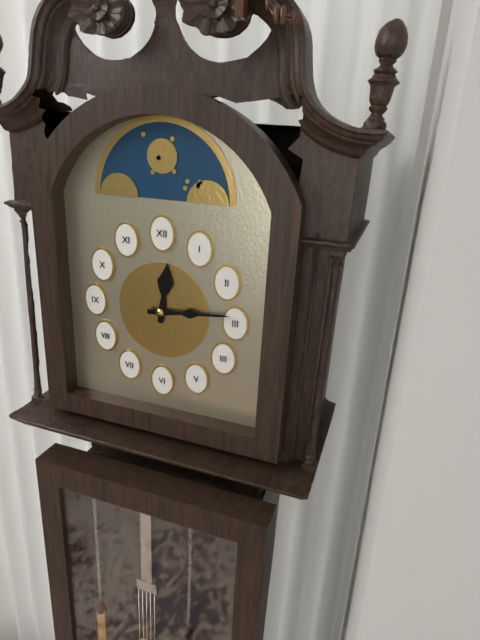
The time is **12:14**
